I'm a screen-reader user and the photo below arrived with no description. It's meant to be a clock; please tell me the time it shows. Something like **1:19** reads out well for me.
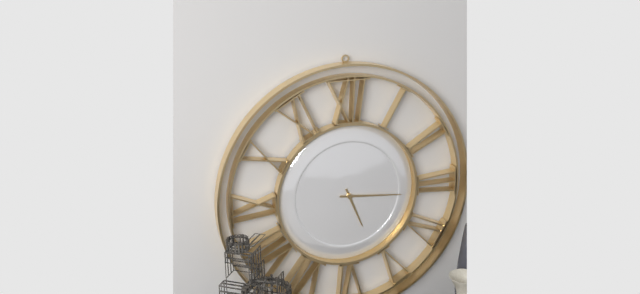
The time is **5:16**
